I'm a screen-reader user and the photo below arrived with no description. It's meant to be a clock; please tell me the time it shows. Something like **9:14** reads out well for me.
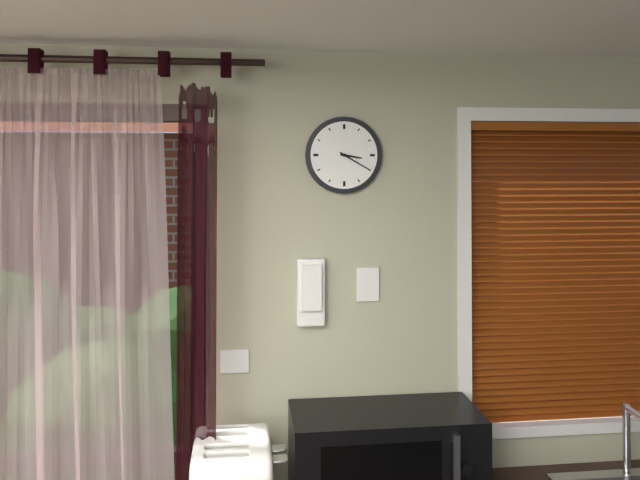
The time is **3:20**
